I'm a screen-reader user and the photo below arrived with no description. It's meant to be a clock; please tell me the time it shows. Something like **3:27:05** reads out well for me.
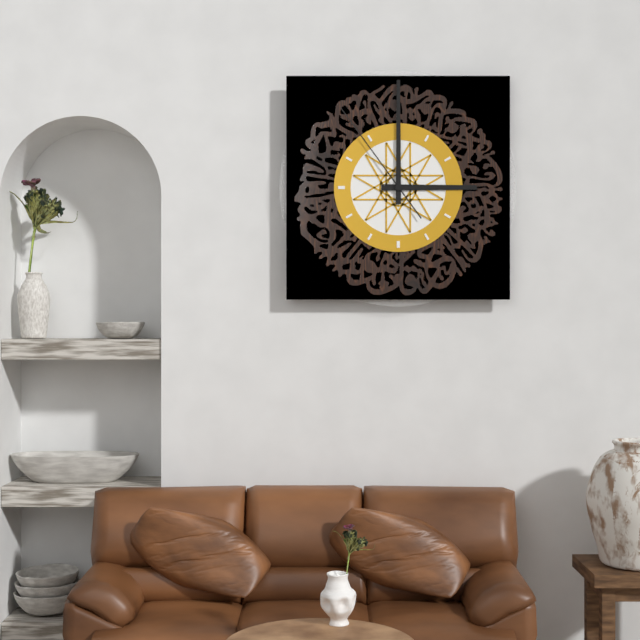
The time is **3:00:54**
